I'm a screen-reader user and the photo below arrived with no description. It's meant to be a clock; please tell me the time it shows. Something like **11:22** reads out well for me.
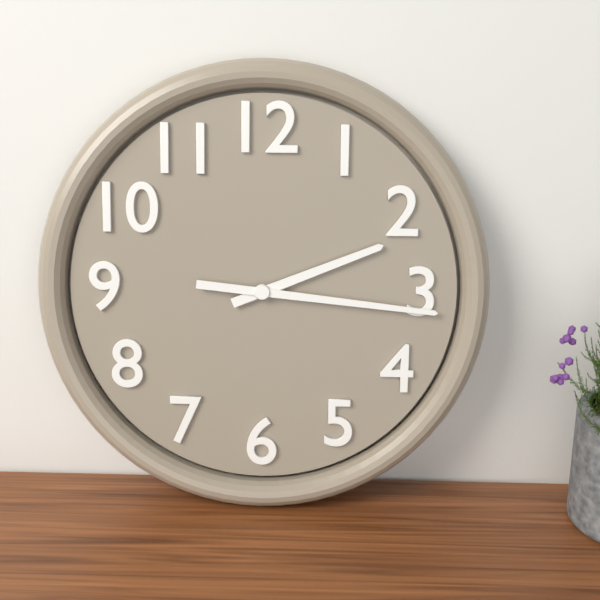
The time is **2:16**
